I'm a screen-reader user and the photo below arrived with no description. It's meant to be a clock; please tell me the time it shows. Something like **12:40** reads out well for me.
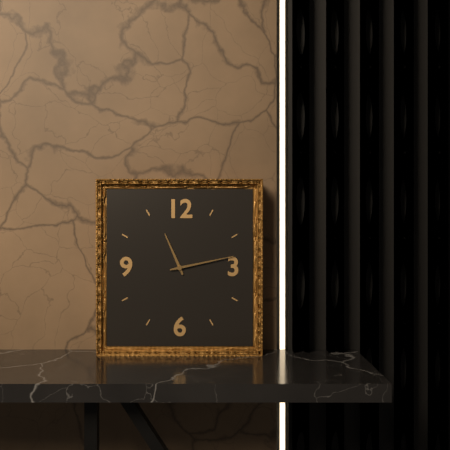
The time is **11:13**
